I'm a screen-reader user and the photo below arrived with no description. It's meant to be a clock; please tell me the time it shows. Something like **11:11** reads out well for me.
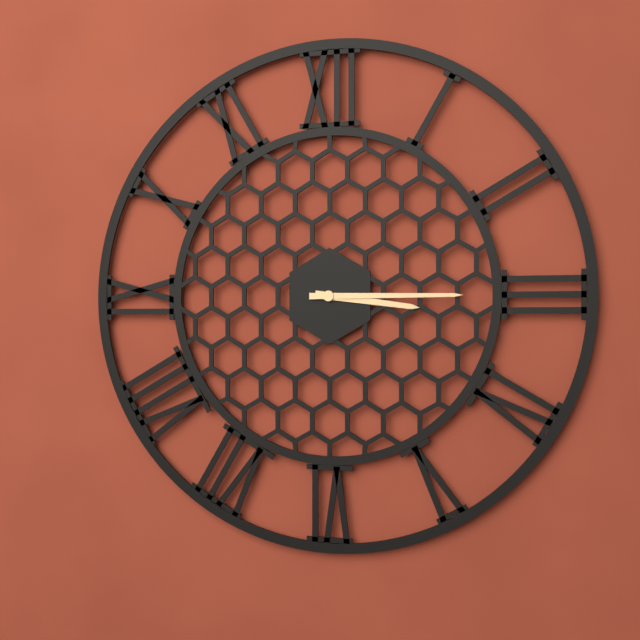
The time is **3:15**
